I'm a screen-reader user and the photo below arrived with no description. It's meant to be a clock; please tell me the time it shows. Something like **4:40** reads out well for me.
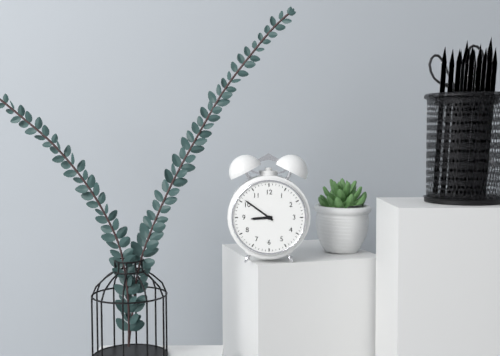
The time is **8:51**
